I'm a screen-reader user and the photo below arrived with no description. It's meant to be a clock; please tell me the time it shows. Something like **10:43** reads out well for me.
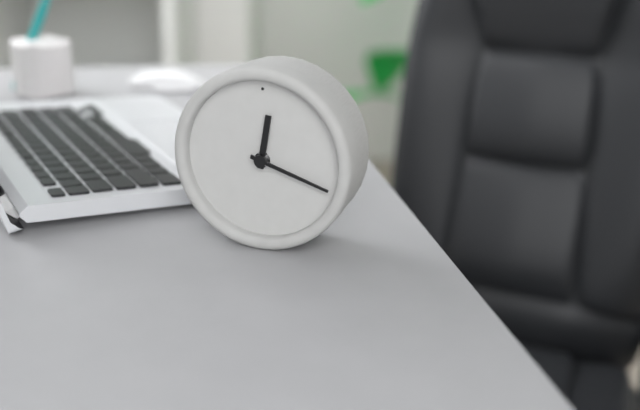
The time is **12:18**
